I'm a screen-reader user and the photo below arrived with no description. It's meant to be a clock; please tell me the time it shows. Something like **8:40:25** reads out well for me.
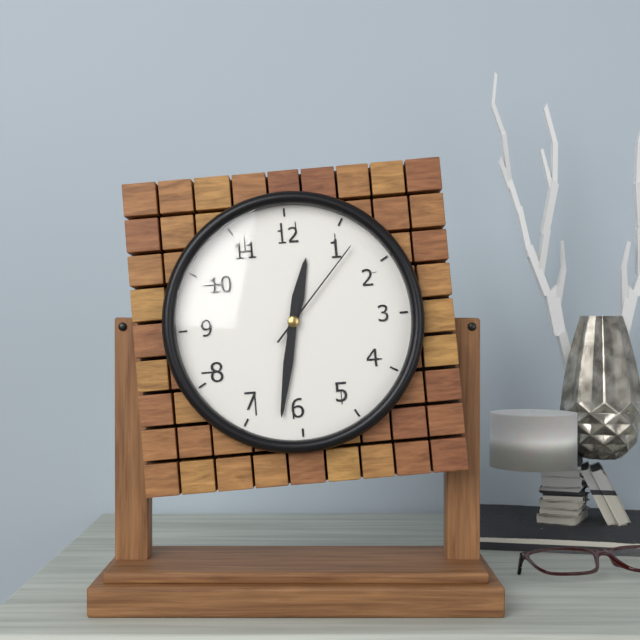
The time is **12:32:07**
